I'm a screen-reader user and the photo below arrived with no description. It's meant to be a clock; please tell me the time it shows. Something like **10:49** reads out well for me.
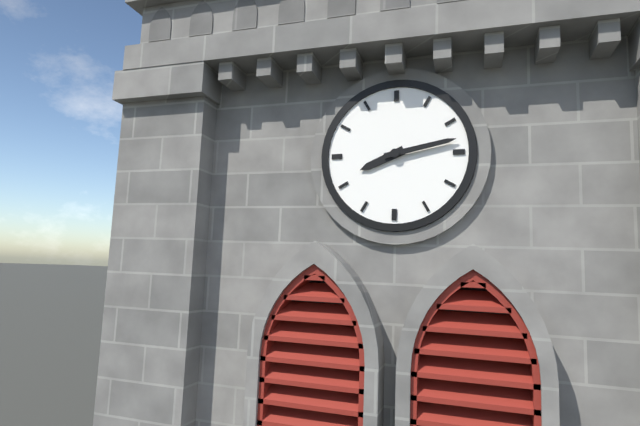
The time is **8:13**
